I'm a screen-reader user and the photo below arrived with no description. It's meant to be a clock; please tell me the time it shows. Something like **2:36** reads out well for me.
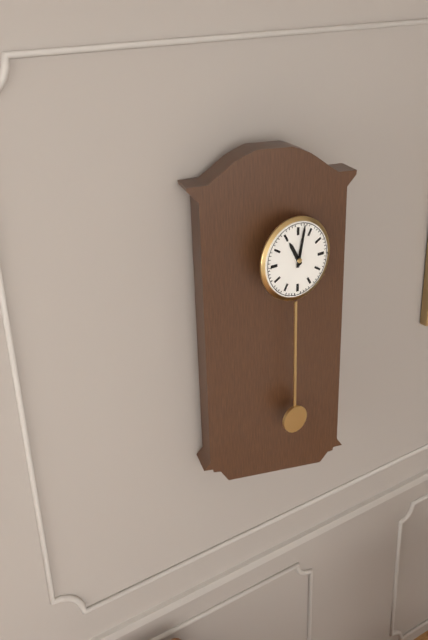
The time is **11:02**
